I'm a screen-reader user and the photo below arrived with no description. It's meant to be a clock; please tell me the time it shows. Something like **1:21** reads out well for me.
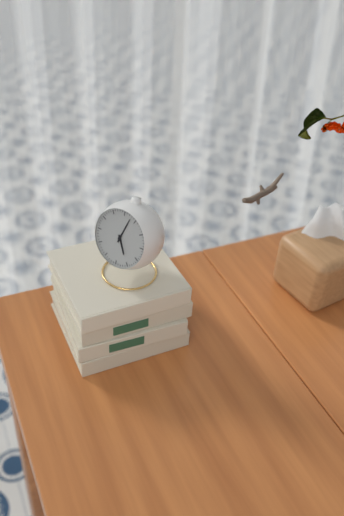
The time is **5:03**
